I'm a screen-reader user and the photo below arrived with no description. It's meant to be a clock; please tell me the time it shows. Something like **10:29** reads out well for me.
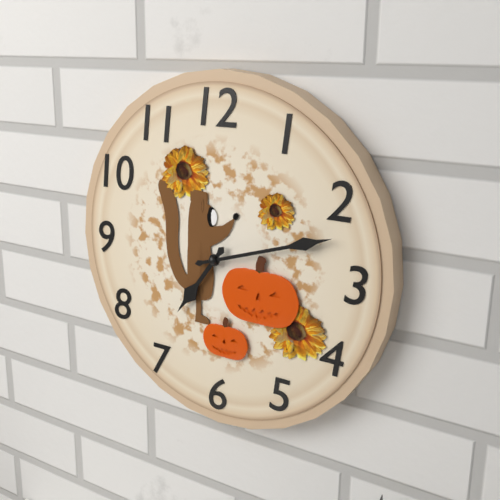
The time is **7:12**
